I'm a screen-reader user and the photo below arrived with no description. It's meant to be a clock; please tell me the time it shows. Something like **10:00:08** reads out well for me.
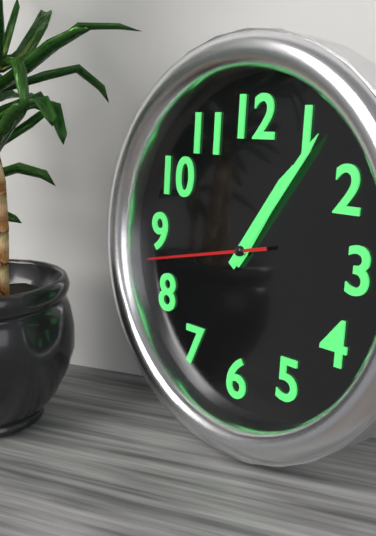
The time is **1:06:43**
